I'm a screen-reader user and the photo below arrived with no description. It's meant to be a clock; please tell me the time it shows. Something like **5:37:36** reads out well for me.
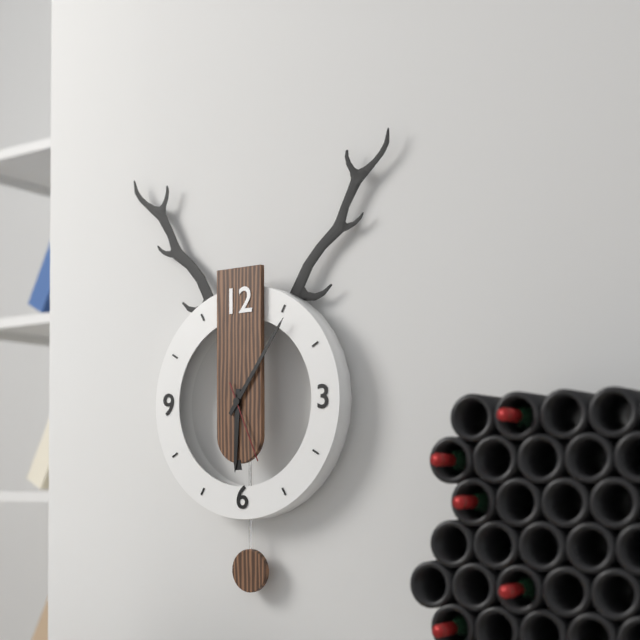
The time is **6:06:26**
